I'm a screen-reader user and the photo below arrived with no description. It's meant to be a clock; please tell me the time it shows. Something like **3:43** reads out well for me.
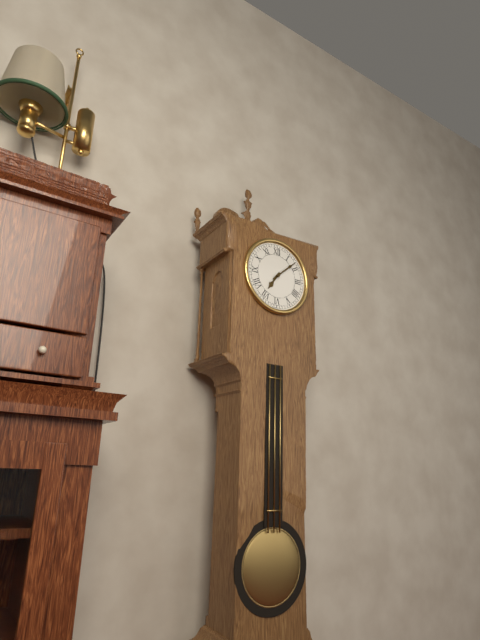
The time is **7:08**
